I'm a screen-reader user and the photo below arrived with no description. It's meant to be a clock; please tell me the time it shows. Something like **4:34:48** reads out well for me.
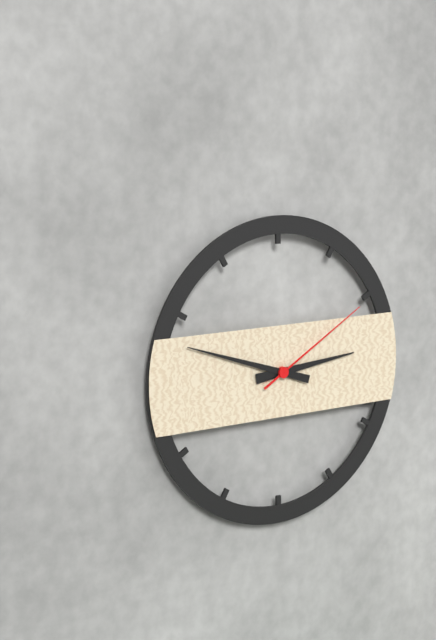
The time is **2:48:10**
